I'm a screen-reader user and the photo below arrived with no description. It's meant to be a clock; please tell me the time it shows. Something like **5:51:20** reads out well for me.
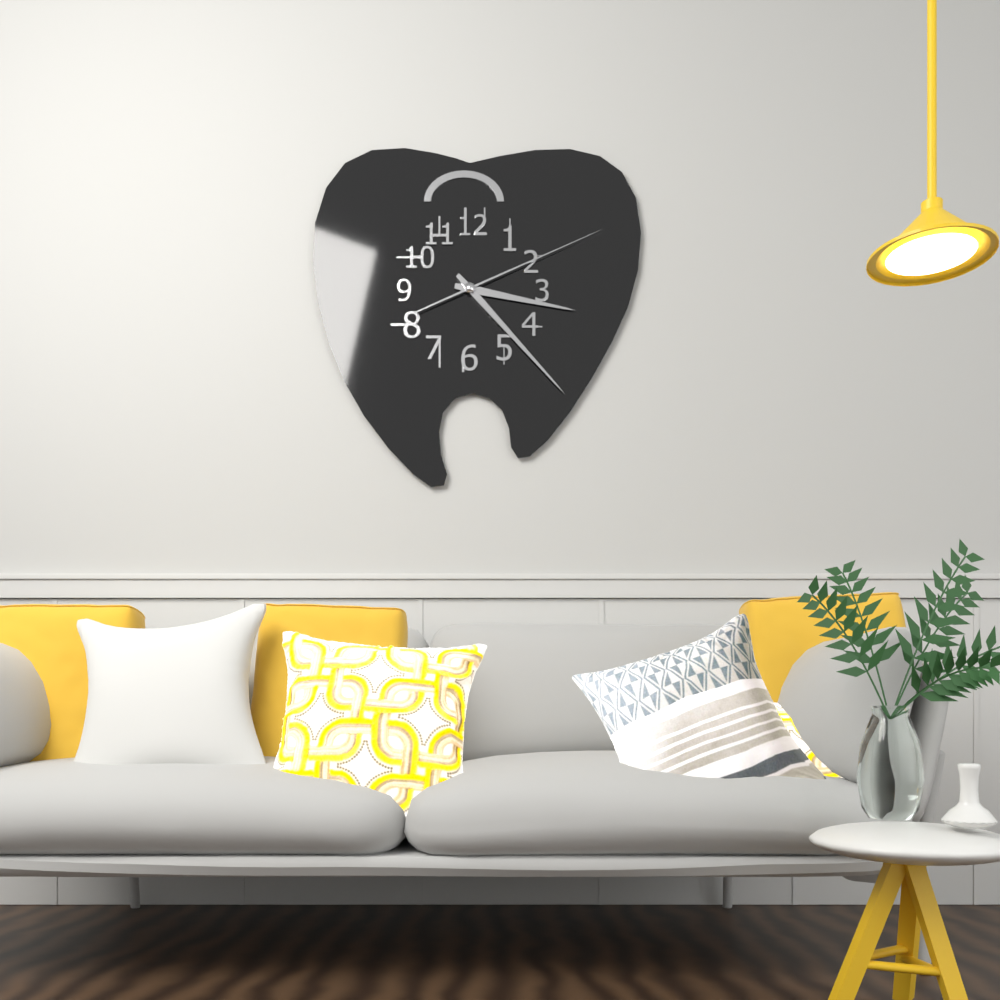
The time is **3:23:11**
